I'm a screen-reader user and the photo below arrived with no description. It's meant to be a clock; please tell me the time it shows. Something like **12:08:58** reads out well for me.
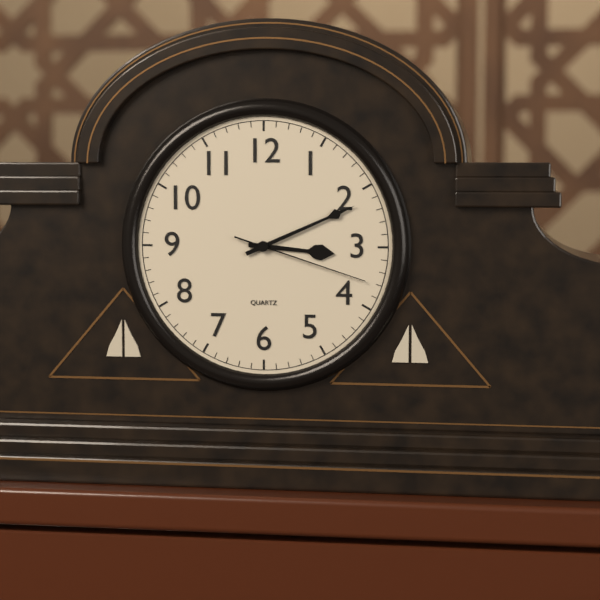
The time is **3:11:18**
